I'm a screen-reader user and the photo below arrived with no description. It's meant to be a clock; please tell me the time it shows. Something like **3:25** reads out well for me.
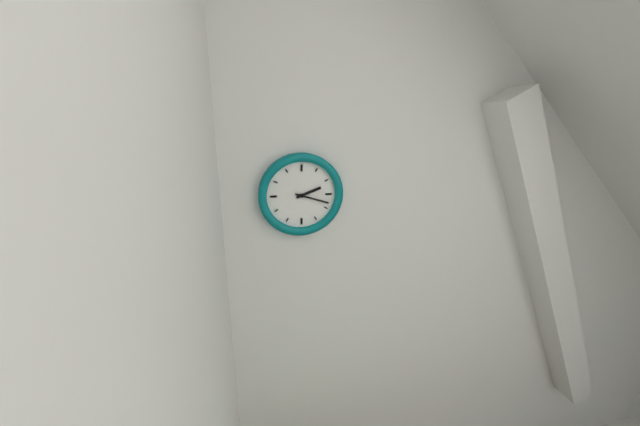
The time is **2:18**
